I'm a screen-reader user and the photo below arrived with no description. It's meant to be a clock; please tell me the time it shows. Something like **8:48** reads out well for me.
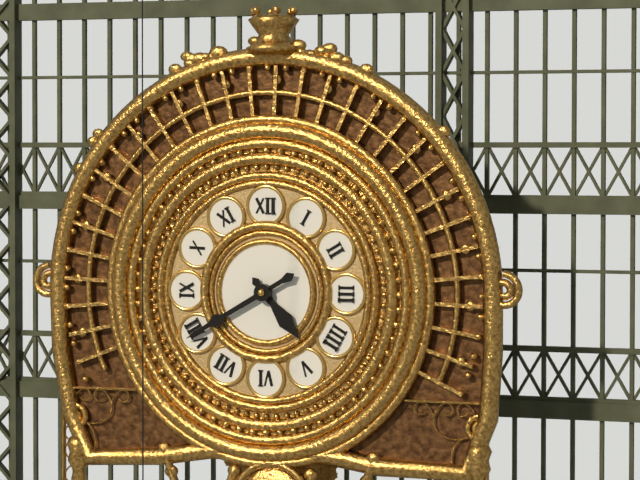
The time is **4:40**
